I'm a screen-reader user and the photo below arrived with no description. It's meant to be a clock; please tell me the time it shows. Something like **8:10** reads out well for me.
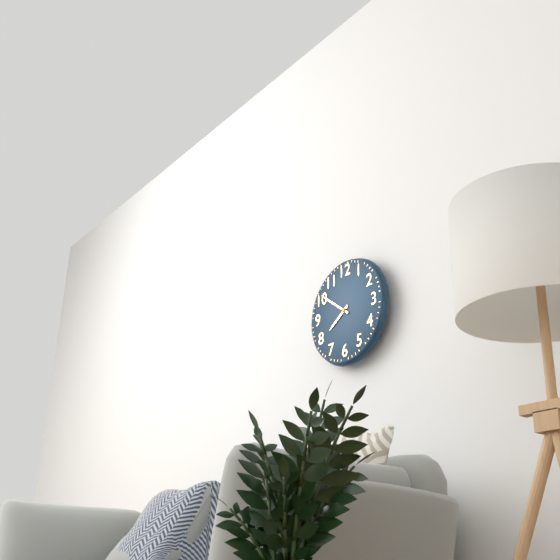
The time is **7:51**
